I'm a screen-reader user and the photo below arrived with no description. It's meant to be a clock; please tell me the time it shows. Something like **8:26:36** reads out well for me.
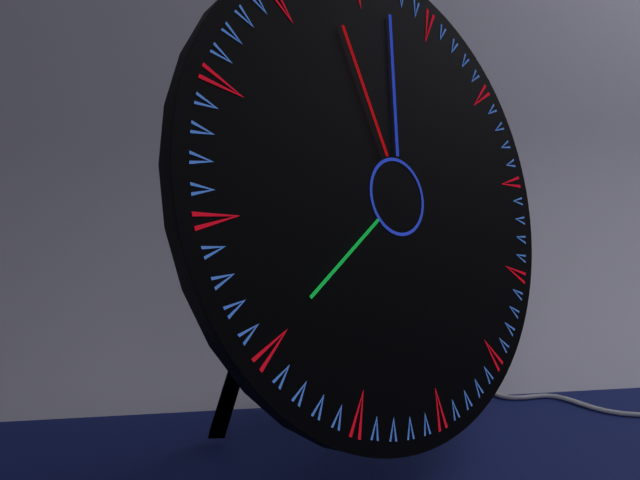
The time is **8:02:58**
